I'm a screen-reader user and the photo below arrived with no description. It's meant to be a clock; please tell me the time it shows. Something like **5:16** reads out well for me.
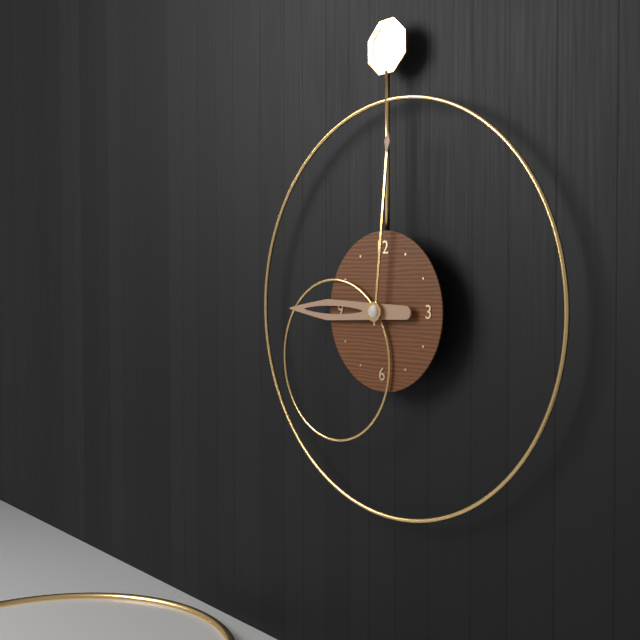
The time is **9:01**
